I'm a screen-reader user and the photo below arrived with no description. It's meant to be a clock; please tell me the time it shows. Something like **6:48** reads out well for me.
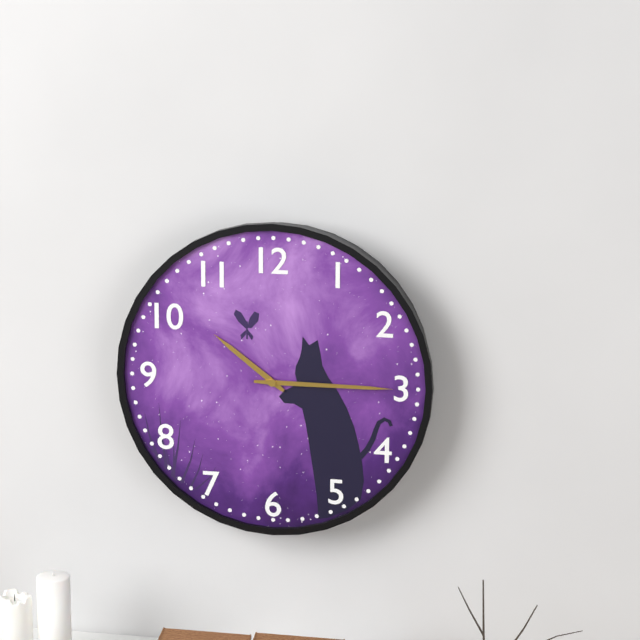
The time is **10:15**
